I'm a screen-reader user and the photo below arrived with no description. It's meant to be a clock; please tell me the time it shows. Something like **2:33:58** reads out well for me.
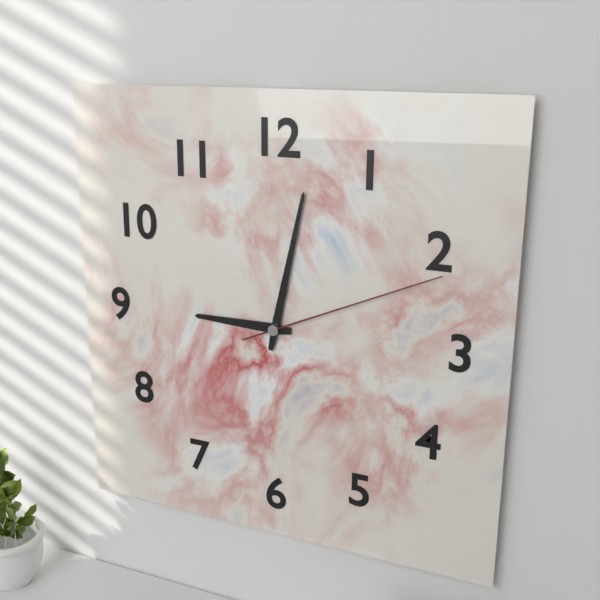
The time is **9:02:11**
